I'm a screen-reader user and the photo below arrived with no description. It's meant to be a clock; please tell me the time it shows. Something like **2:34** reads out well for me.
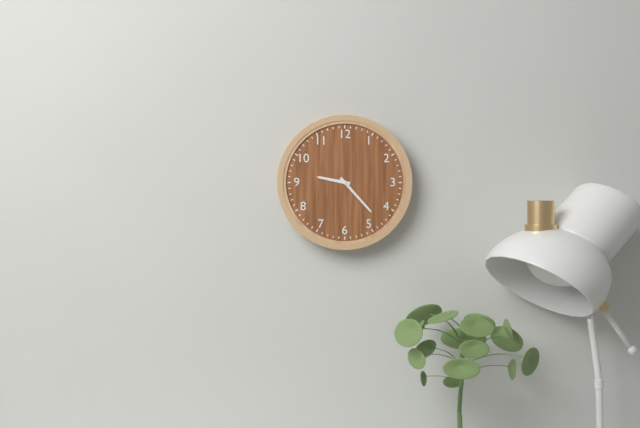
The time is **9:23**
